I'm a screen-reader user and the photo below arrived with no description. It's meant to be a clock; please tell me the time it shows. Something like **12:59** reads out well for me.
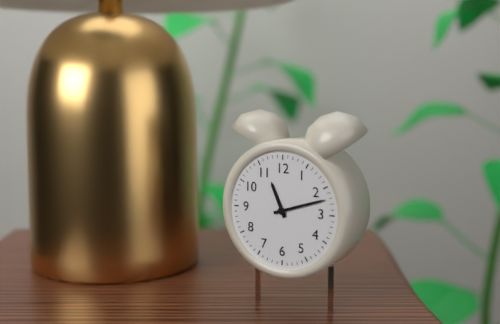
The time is **11:12**
